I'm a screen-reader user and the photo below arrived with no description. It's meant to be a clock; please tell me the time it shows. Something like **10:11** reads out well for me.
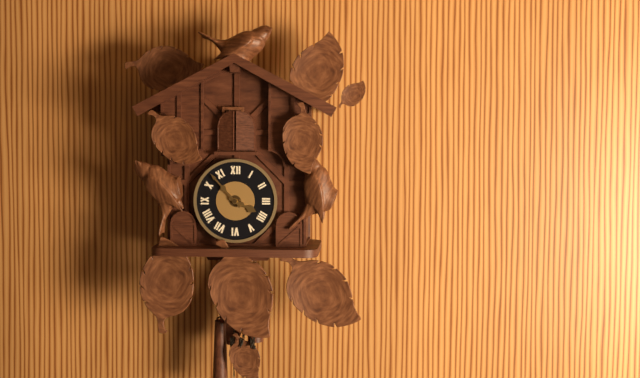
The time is **3:53**
